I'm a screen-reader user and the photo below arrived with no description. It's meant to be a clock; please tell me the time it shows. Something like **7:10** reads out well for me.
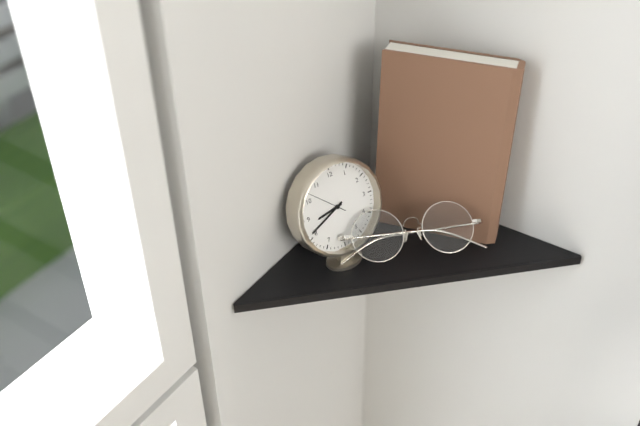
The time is **8:41**
